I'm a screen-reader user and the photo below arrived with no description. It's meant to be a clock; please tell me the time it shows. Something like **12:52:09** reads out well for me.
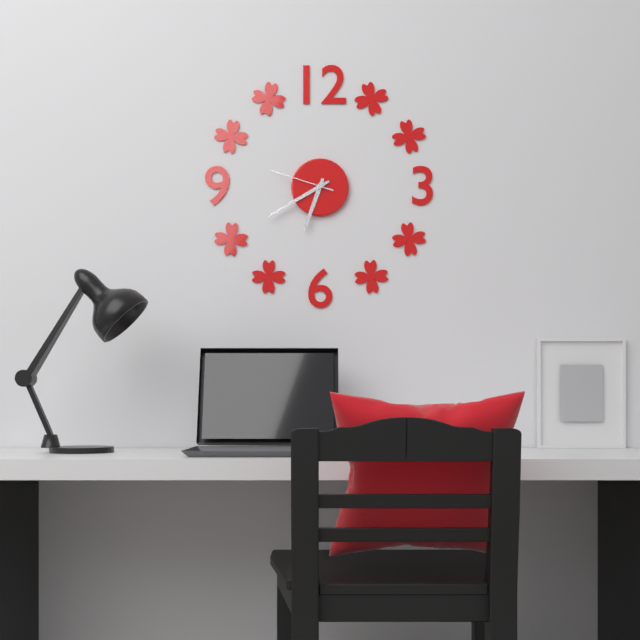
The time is **6:40:48**
